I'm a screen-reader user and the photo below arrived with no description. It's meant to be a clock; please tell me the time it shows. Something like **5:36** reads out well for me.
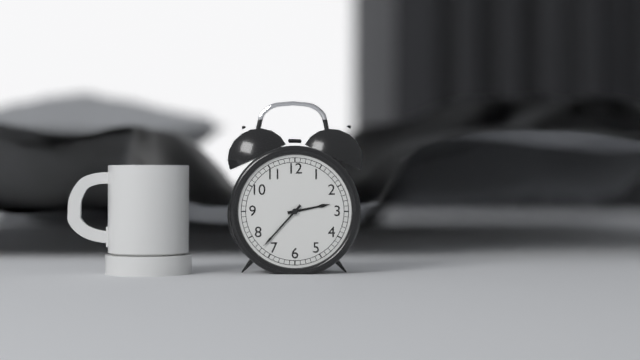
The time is **2:37**
